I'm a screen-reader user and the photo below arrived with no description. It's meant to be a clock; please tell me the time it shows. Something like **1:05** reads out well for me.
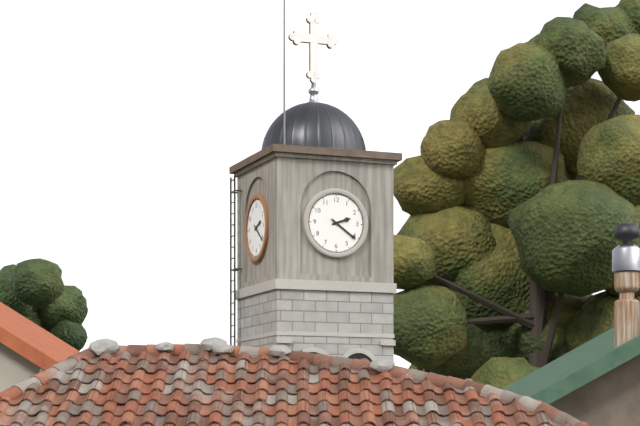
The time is **2:21**
